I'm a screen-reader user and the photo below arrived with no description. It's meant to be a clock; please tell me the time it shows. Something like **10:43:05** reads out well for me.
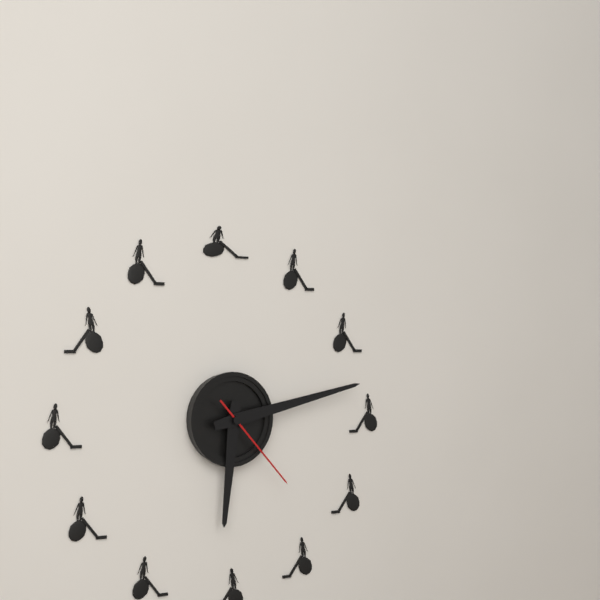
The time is **6:13:23**
